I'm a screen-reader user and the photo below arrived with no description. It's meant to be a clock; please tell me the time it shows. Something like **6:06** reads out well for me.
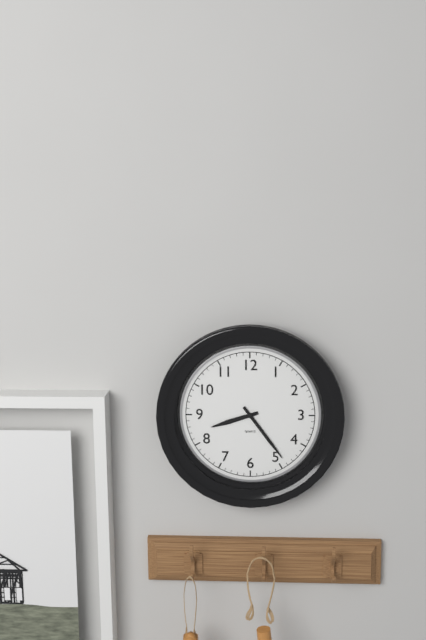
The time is **8:24**
